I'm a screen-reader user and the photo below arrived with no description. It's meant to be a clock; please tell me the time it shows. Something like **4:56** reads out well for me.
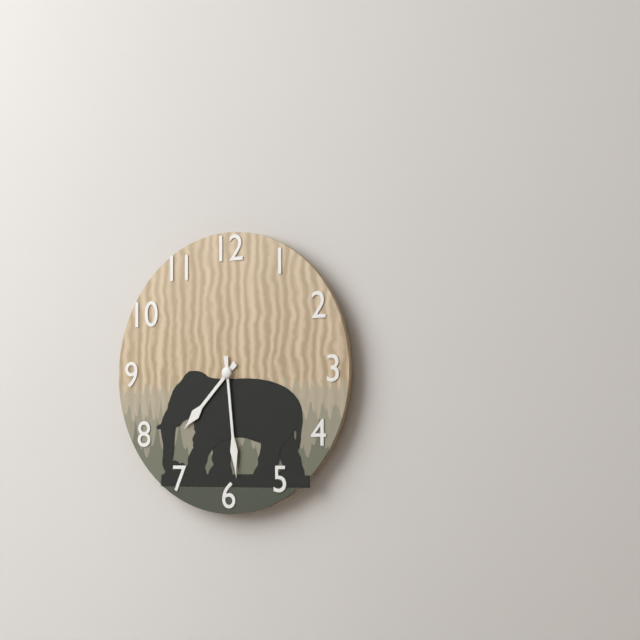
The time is **7:29**
